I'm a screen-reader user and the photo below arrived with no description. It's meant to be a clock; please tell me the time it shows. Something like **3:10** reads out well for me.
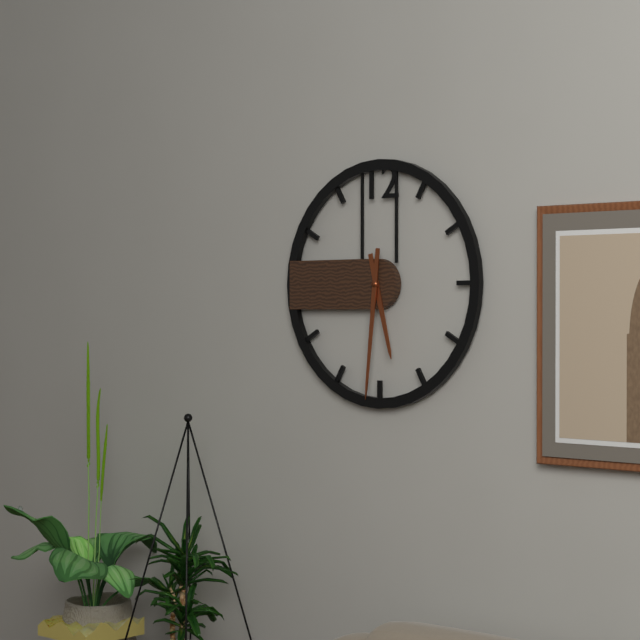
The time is **5:31**
